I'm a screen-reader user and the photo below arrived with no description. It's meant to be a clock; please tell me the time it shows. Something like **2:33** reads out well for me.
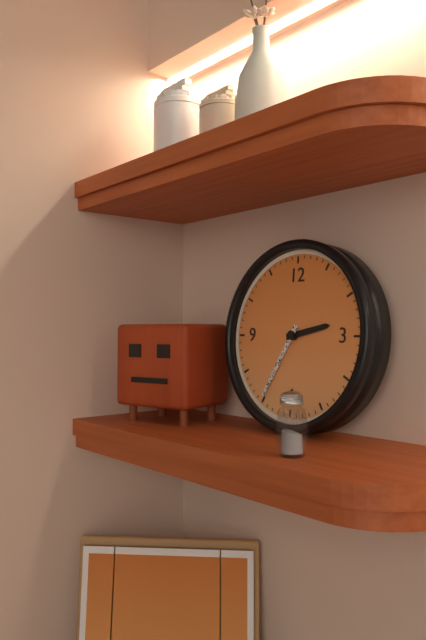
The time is **2:35**
